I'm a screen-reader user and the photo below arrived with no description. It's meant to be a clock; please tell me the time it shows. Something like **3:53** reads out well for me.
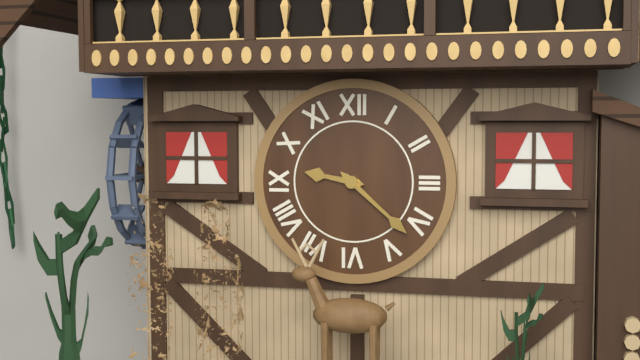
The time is **9:22**
